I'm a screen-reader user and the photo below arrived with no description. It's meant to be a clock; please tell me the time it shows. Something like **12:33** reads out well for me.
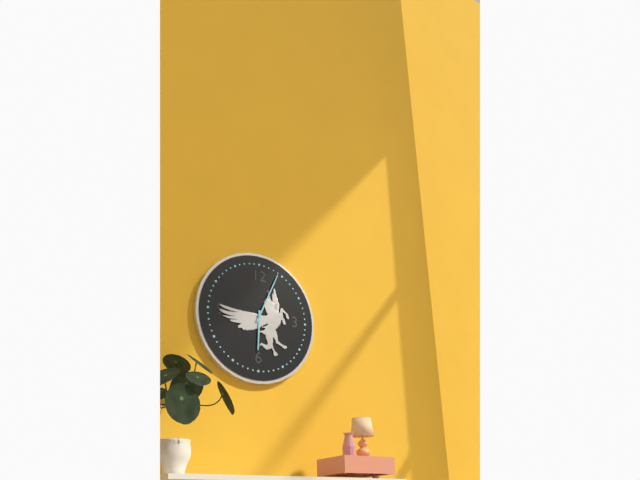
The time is **6:04**
